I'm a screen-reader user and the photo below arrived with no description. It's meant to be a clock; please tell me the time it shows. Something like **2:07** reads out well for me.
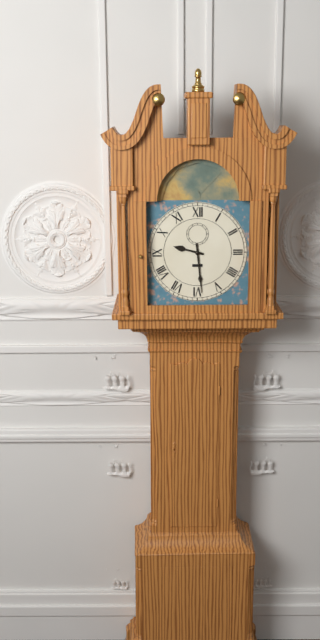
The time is **9:29**
